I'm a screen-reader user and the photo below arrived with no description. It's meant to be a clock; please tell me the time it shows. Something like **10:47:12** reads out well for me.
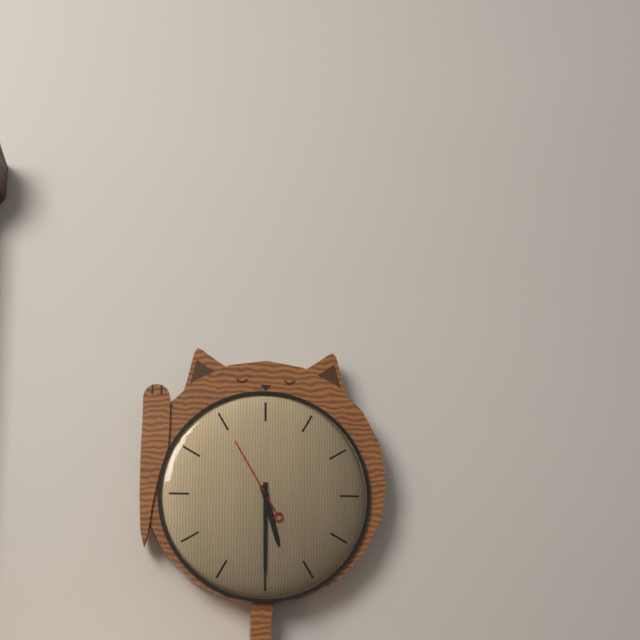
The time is **5:30:55**
